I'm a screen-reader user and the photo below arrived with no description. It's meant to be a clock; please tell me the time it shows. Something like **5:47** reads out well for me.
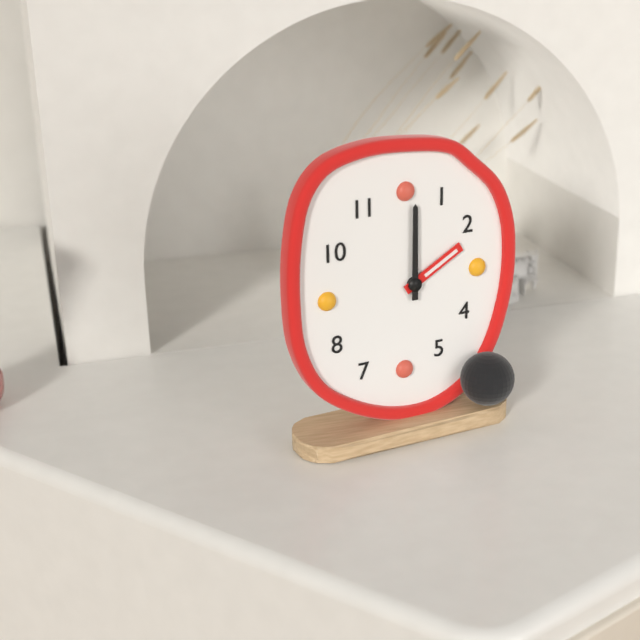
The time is **2:00**
